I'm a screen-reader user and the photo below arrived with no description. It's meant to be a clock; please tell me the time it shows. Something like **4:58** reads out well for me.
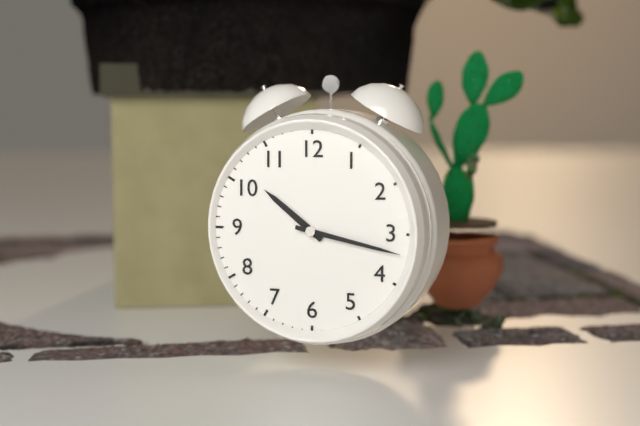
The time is **10:17**
